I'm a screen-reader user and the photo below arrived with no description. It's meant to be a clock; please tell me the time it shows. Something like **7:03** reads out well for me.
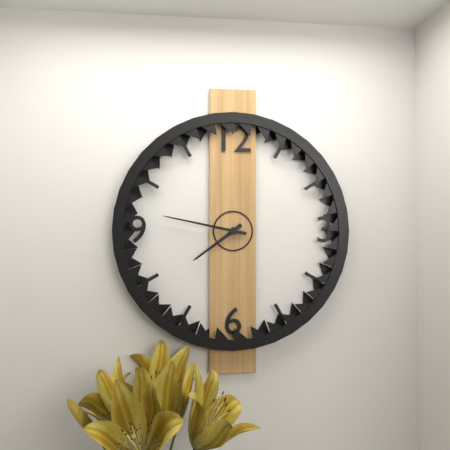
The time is **7:47**
